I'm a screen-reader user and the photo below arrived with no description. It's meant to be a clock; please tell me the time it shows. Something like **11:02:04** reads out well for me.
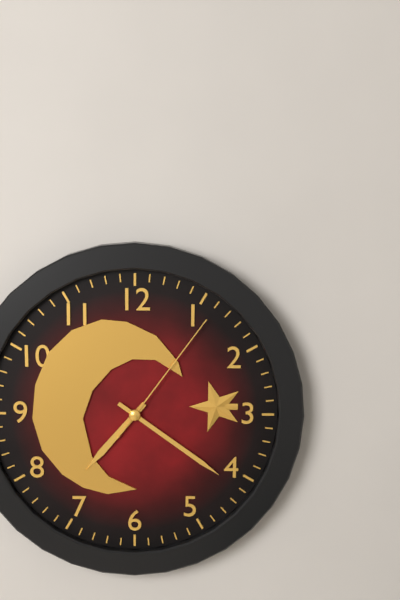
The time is **7:21:06**
